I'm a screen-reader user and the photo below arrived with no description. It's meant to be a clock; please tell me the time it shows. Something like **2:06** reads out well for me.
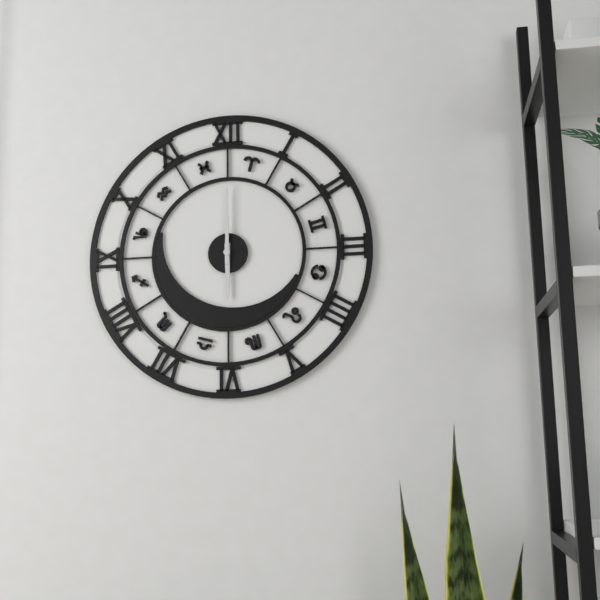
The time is **6:00**
